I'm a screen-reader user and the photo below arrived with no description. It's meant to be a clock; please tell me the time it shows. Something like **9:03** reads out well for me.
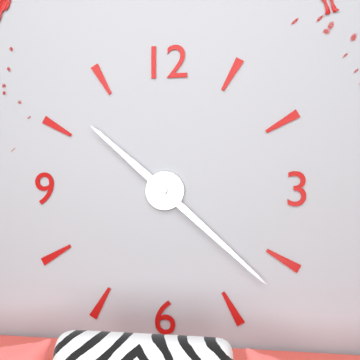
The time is **10:22**
